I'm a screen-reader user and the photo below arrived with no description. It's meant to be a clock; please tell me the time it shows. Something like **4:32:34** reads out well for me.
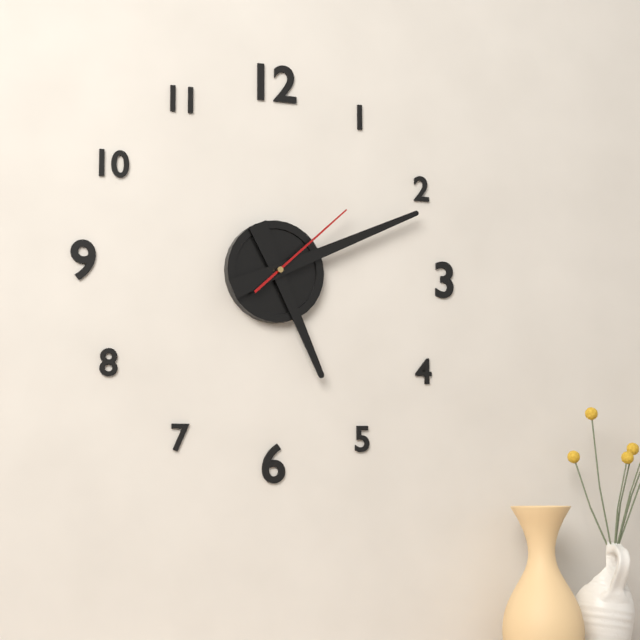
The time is **5:11:08**
